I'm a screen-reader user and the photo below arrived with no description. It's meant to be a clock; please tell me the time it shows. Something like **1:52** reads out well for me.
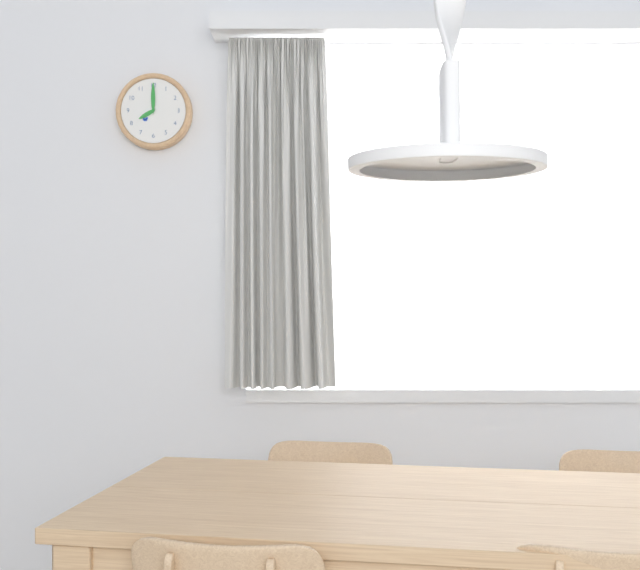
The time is **8:00**
